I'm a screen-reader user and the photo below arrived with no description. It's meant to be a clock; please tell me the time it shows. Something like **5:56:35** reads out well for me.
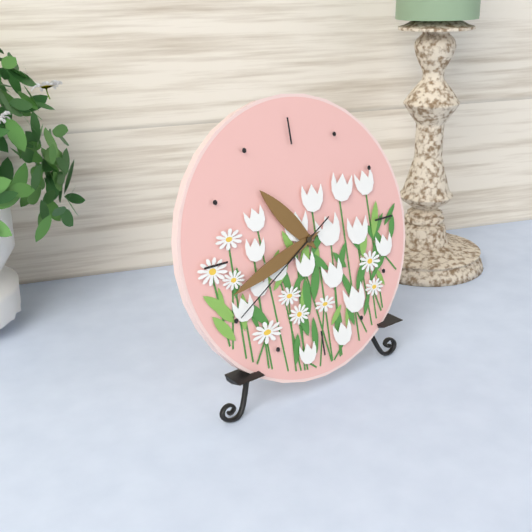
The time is **10:42:40**
